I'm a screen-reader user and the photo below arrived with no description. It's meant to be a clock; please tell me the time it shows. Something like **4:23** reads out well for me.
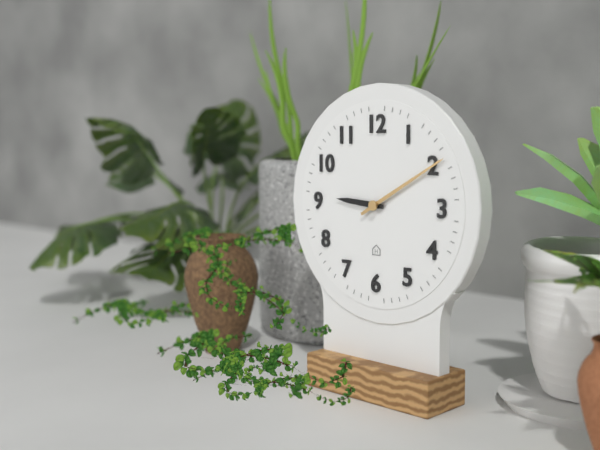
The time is **9:10**
